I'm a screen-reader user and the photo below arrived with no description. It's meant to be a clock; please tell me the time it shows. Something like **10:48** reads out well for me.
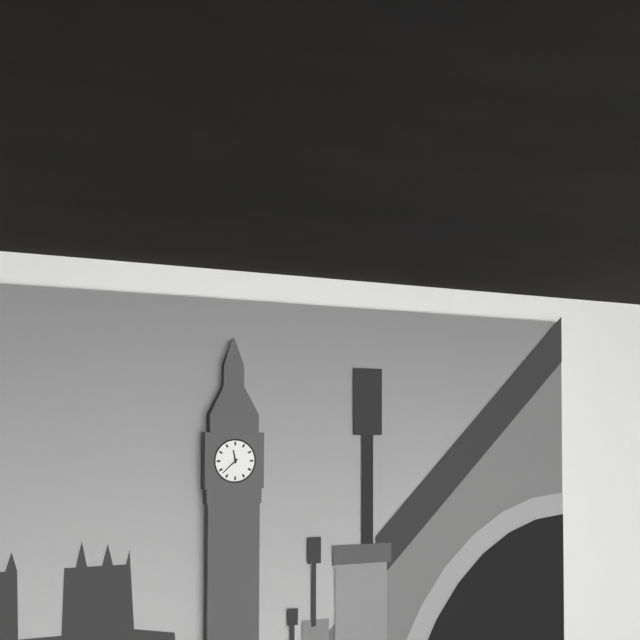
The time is **11:38**
